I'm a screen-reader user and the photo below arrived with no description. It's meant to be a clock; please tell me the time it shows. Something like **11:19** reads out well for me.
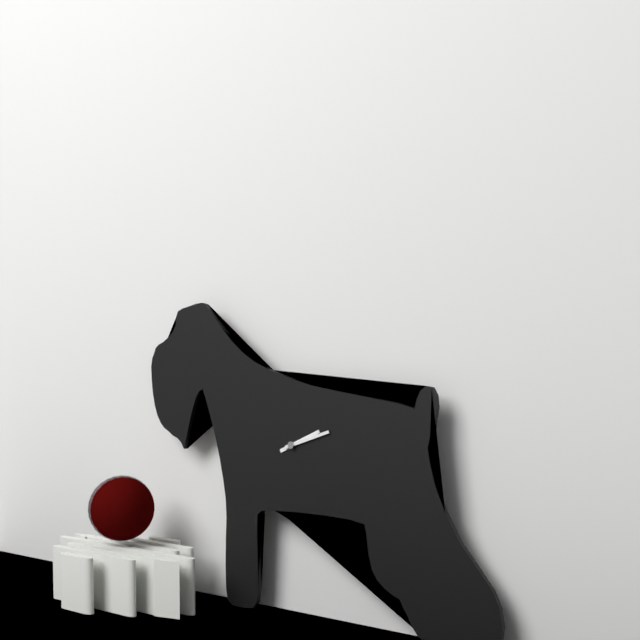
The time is **2:12**
